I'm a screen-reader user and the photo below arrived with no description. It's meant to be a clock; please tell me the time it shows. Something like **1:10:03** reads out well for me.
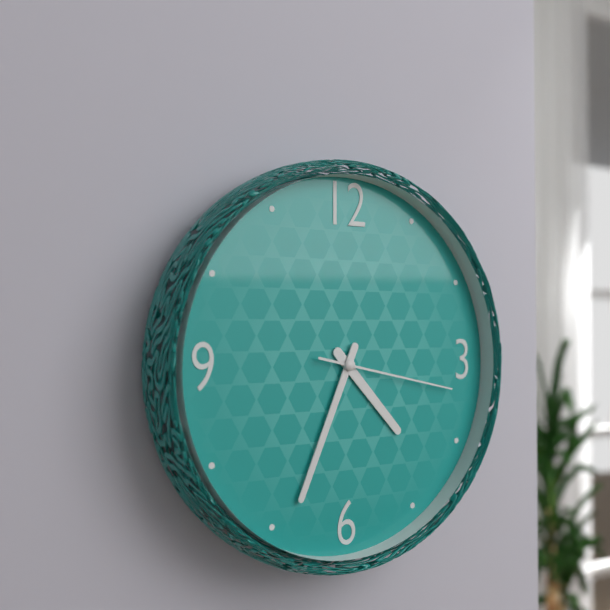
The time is **4:34:17**
